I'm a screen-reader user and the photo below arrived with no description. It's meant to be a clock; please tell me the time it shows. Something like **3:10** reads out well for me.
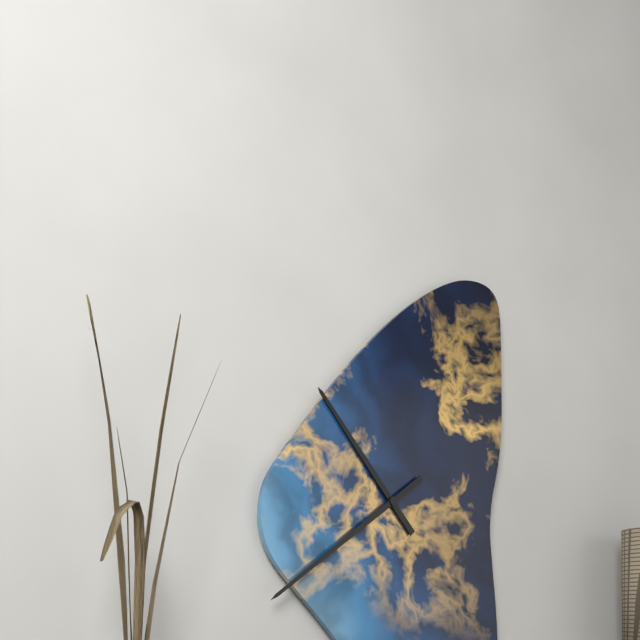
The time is **10:39**
